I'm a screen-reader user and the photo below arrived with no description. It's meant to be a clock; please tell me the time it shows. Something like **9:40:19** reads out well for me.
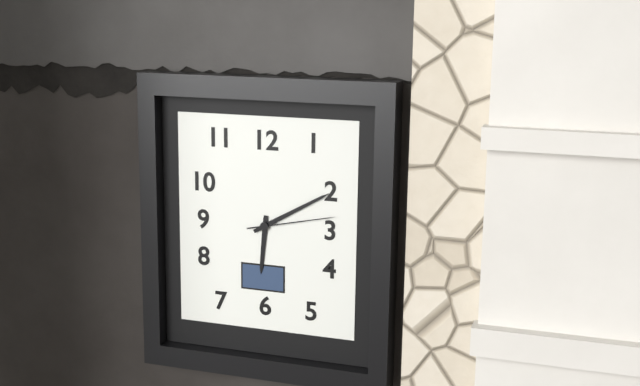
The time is **6:10:13**
